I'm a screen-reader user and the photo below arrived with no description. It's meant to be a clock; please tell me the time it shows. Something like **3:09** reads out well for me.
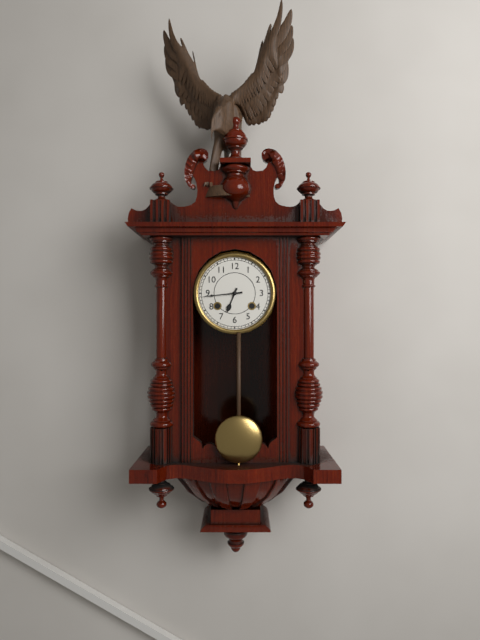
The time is **6:44**
